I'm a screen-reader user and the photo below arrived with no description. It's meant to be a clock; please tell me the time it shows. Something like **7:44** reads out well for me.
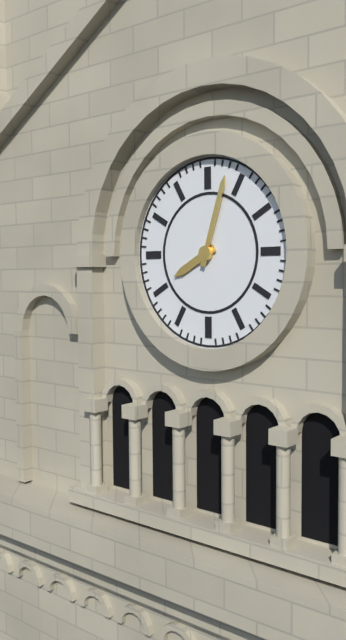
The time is **8:03**
